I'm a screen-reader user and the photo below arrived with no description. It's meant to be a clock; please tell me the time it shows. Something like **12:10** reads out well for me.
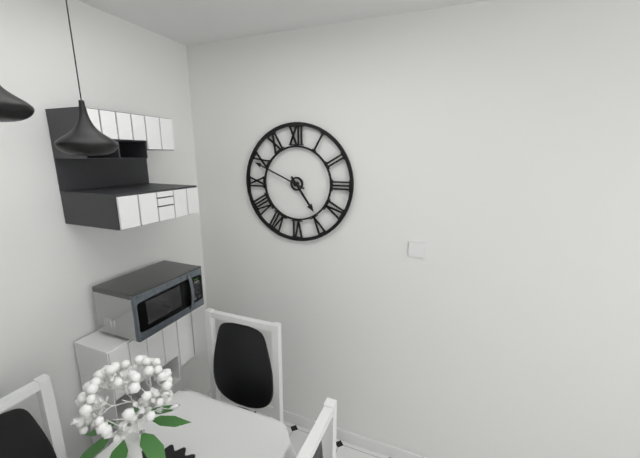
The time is **4:49**
